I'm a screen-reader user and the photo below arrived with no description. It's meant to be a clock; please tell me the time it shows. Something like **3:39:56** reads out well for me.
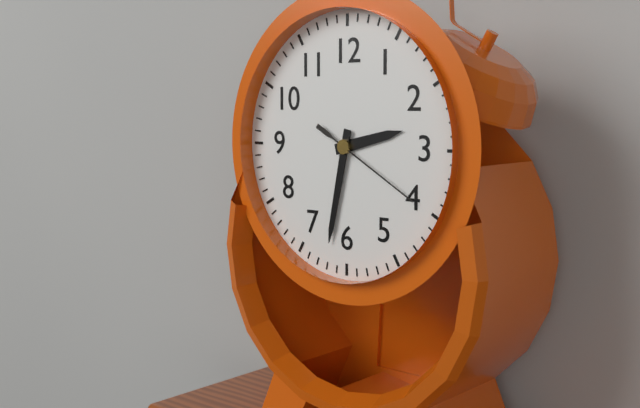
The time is **2:32:20**
